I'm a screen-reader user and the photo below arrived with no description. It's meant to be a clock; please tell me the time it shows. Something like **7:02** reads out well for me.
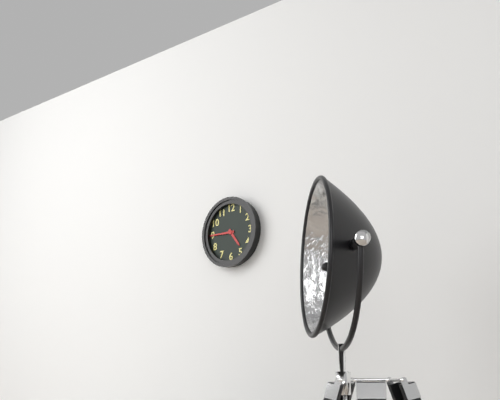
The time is **4:45**
